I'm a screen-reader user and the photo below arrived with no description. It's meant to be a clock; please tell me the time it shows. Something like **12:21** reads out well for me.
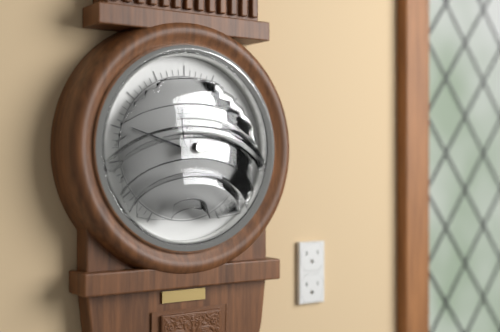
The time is **11:48**
